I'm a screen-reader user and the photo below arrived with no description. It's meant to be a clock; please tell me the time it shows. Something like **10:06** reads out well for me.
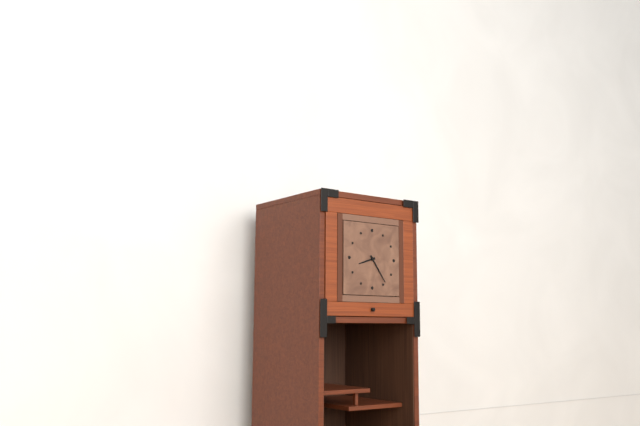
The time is **8:24**
